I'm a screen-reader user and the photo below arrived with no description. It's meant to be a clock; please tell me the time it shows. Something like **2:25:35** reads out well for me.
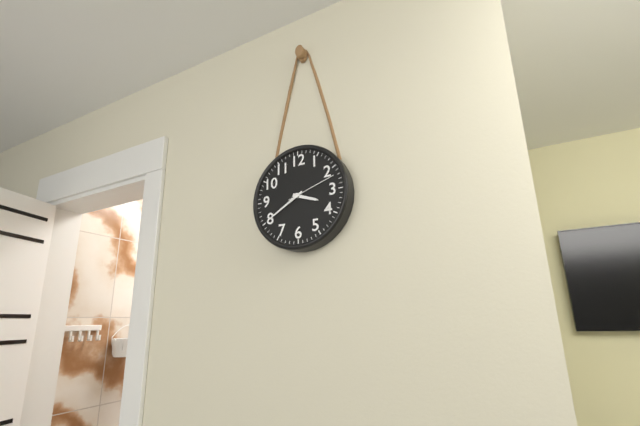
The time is **3:40:12**
